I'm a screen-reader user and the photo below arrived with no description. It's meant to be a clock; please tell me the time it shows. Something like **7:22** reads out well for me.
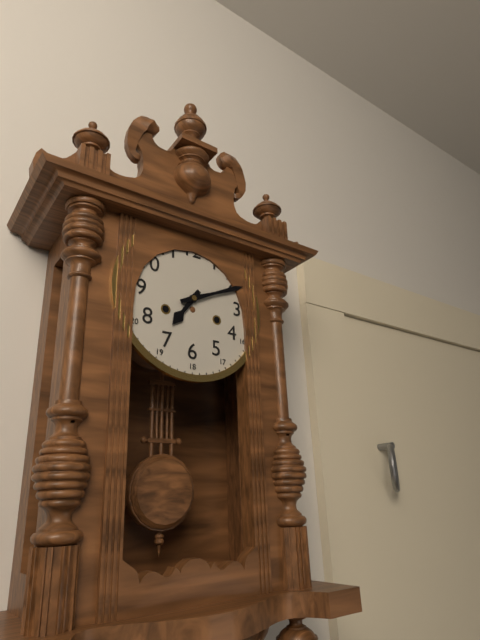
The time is **7:11**
